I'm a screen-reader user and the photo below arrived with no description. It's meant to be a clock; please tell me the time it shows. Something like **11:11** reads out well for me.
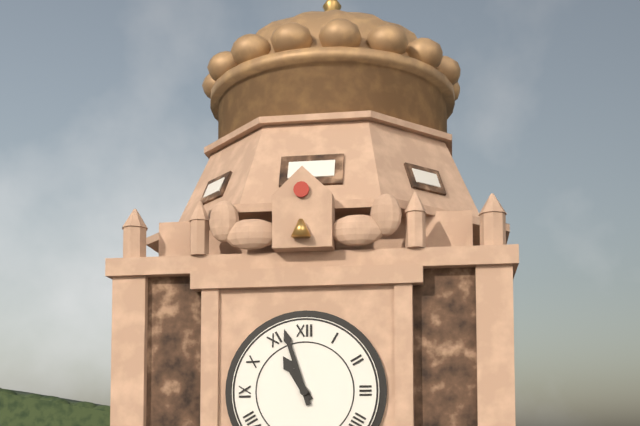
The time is **10:57**
